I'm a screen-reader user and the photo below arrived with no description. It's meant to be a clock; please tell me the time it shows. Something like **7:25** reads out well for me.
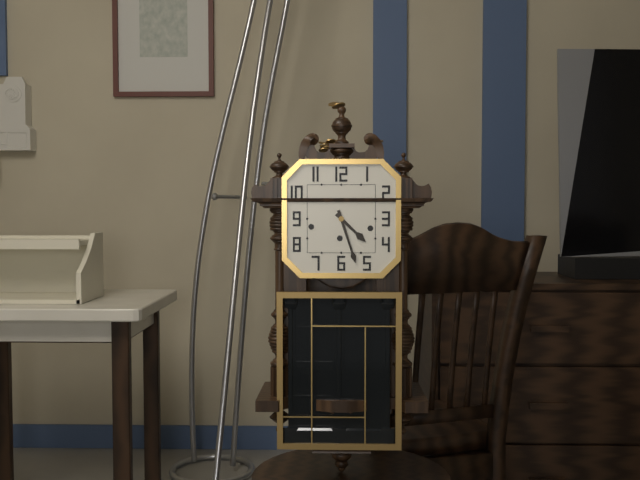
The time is **4:27**
